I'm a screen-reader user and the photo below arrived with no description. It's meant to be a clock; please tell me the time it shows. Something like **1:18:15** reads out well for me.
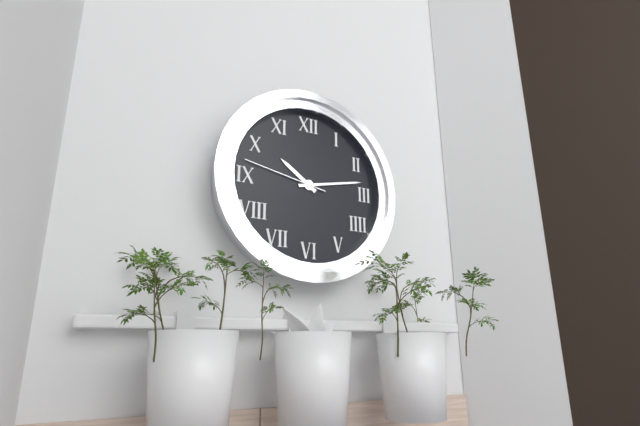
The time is **10:13:47**
